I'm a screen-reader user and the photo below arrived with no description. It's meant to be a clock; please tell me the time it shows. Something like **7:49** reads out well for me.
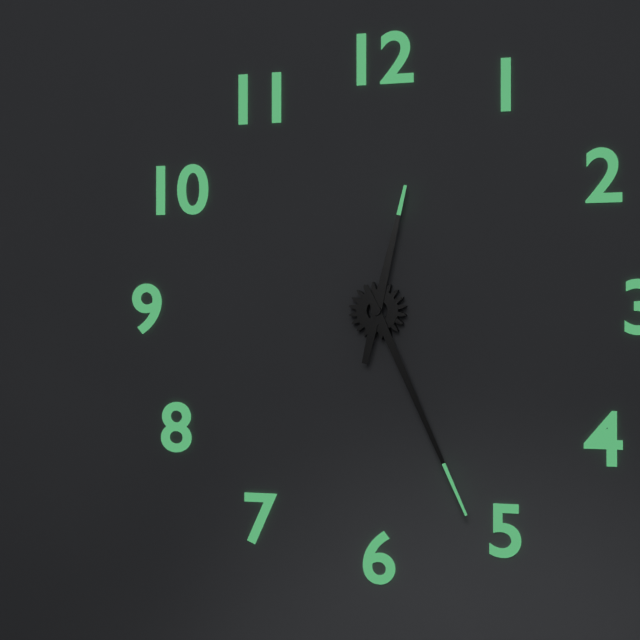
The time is **12:26**
